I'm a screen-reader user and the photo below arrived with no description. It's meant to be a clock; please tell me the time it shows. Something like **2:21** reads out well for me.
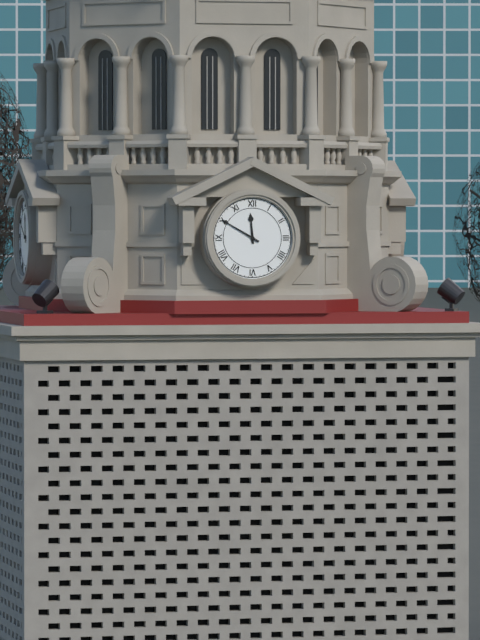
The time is **11:50**
